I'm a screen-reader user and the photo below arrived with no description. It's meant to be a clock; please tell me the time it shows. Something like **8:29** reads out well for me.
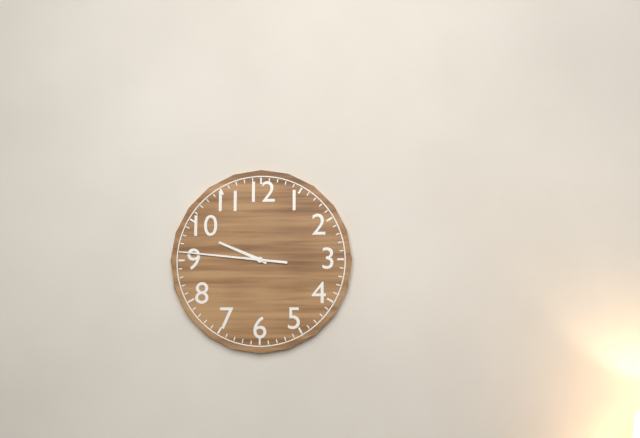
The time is **9:46**
